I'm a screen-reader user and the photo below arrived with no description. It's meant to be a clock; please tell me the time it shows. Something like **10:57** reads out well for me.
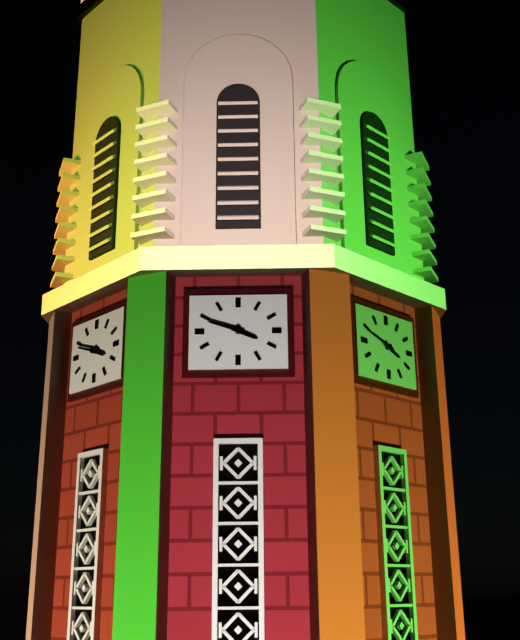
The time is **3:48**
